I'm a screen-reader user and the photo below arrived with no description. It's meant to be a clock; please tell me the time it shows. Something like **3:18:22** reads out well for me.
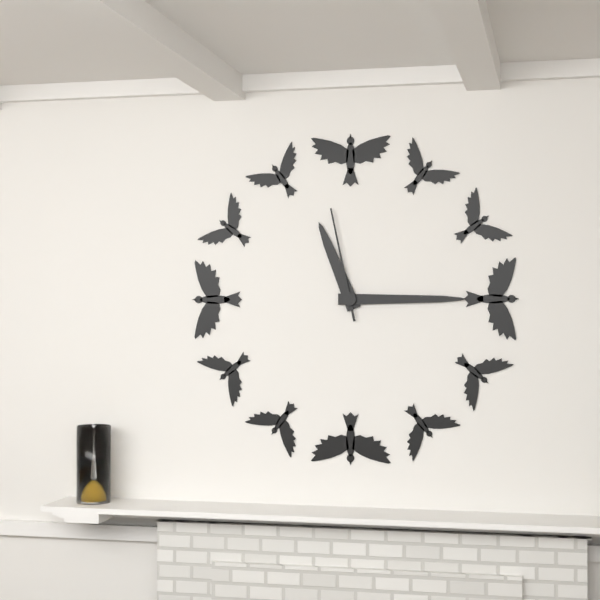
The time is **11:15:58**
